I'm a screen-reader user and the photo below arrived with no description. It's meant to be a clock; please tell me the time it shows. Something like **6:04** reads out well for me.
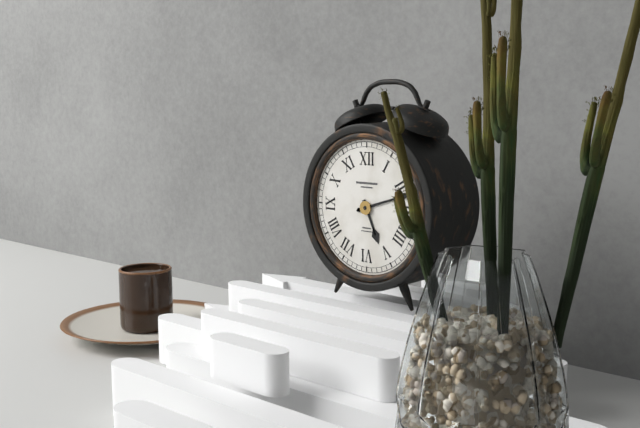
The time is **5:12**
